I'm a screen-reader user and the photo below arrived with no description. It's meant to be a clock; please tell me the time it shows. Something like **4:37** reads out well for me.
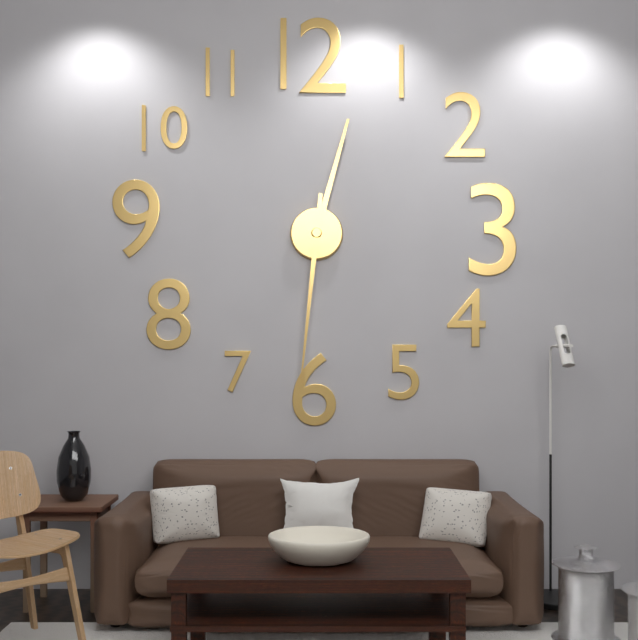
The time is **12:31**
